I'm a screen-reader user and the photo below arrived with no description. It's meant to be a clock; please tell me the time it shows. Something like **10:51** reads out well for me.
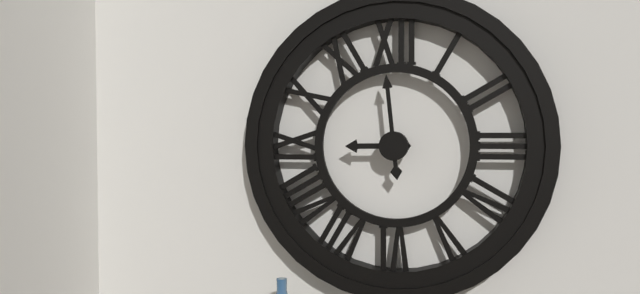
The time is **8:59**
